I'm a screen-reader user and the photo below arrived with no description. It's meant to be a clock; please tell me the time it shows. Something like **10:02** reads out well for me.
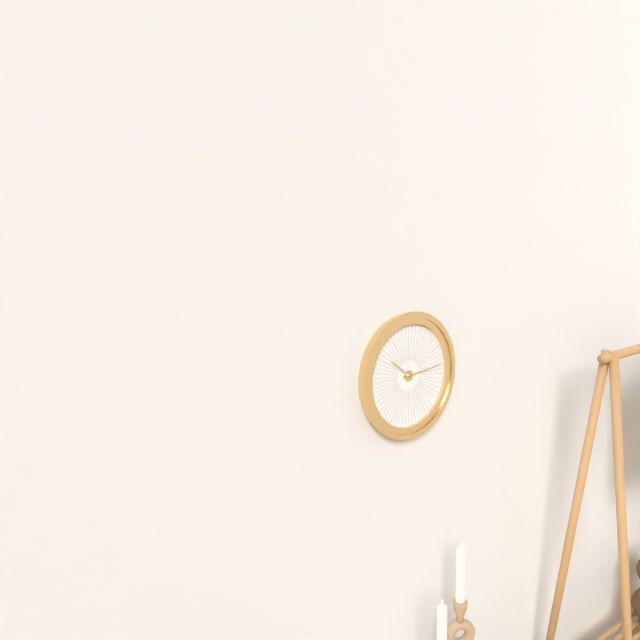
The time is **10:14**
